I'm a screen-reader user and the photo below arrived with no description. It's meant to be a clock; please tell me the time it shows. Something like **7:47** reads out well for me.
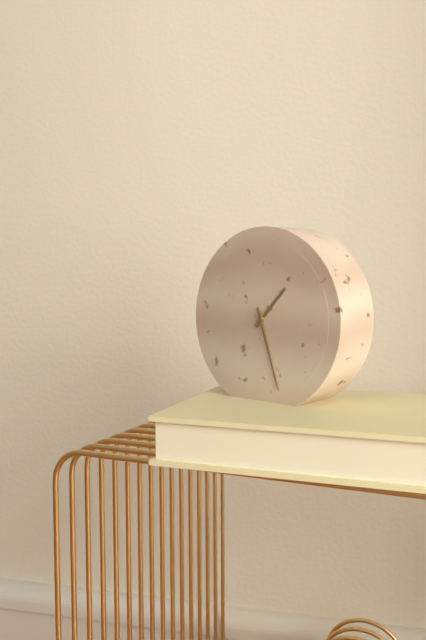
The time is **1:27**
